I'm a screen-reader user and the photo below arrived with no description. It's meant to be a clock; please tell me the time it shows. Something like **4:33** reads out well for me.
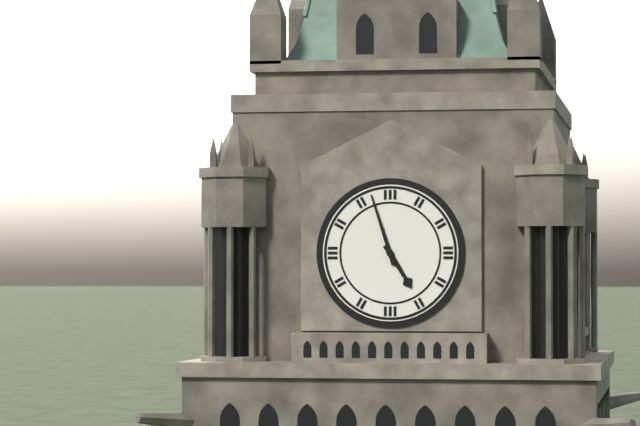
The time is **4:57**
